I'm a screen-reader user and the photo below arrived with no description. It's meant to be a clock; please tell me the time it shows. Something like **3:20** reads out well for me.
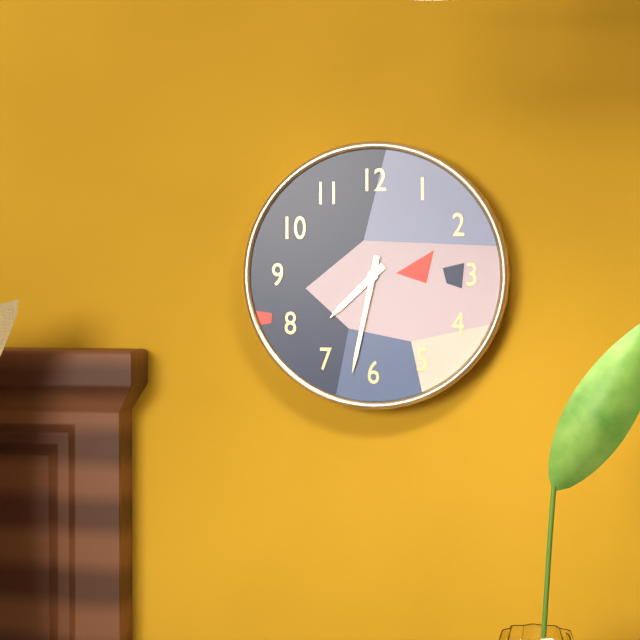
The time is **7:32**
